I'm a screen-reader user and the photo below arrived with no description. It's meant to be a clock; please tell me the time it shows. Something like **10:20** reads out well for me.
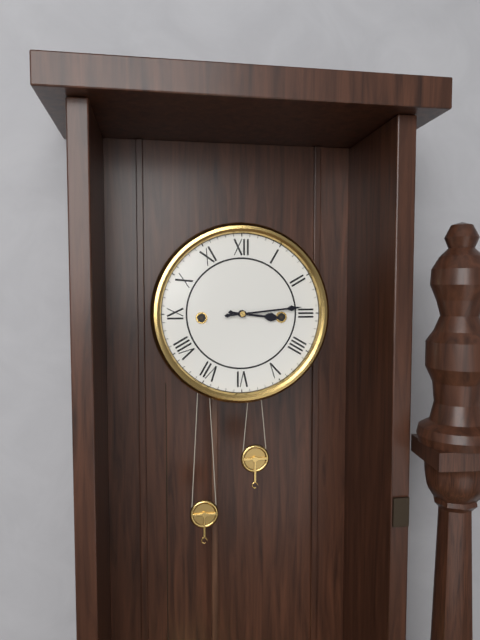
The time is **3:14**
